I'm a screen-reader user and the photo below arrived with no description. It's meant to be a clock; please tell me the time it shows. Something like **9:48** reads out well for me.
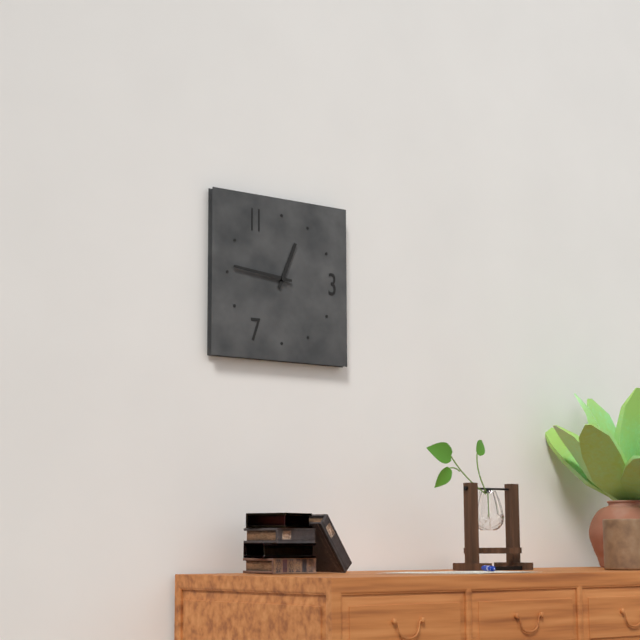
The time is **12:46**
